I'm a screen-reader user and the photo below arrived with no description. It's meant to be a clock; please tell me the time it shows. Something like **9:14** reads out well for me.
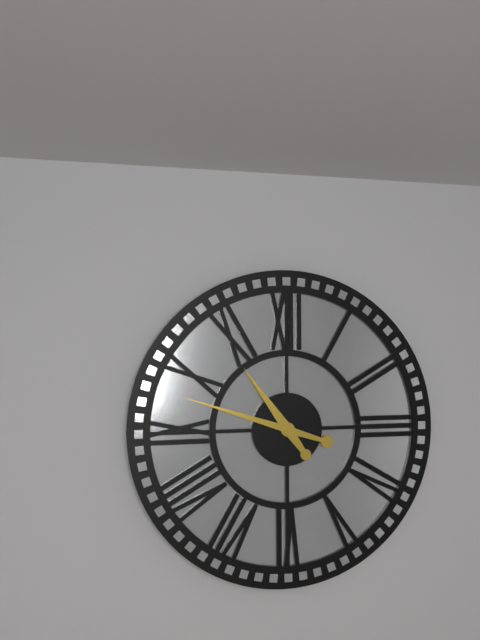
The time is **10:48**
